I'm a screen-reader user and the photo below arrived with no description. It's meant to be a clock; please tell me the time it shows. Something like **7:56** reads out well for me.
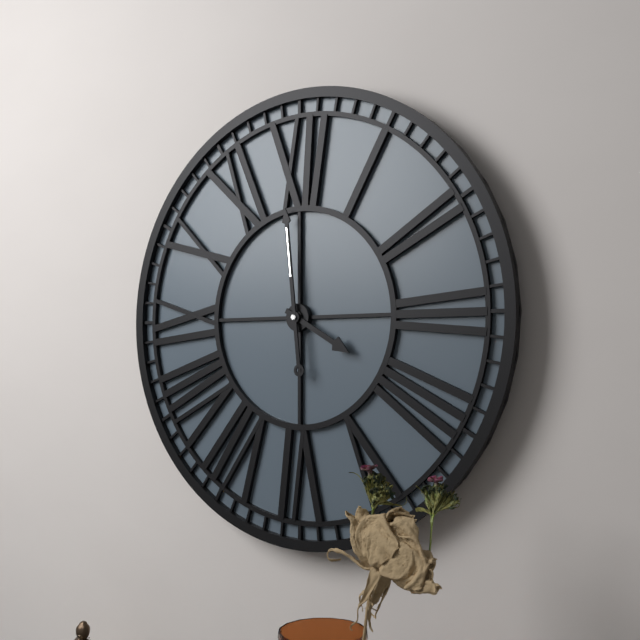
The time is **3:59**
